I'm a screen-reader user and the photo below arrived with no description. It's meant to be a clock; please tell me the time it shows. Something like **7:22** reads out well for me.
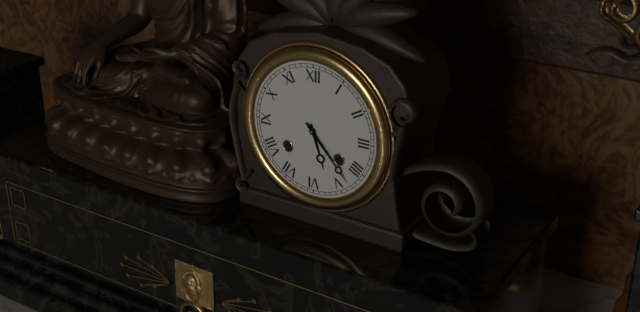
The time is **5:23**
